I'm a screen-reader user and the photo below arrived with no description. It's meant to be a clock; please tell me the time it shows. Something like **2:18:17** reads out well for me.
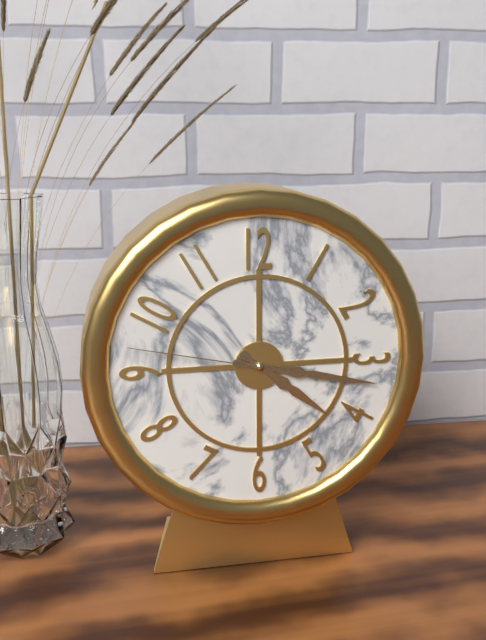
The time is **4:17:47**
